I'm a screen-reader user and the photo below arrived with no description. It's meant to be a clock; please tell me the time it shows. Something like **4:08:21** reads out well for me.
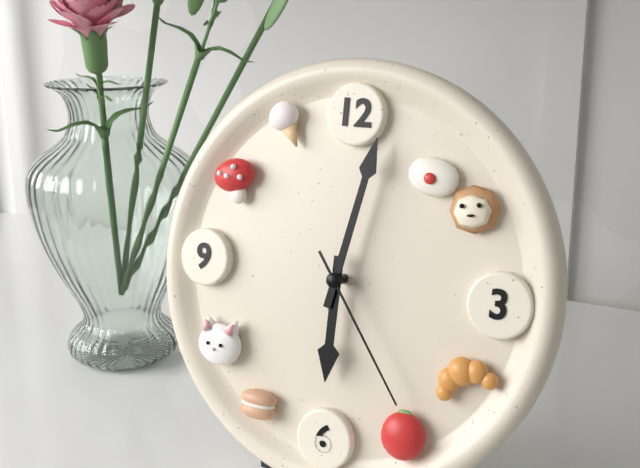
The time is **6:02:24**
